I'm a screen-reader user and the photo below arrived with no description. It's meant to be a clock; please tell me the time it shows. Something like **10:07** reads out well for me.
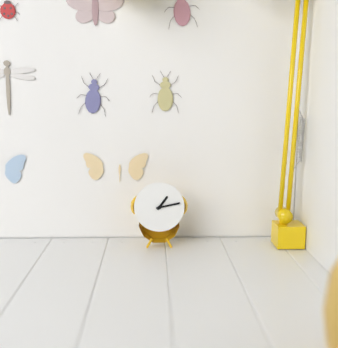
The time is **1:13**
